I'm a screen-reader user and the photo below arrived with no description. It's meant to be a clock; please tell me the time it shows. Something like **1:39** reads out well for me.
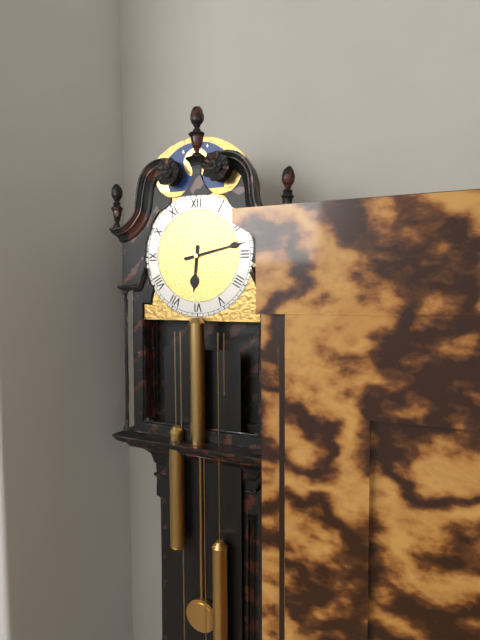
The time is **6:13**
